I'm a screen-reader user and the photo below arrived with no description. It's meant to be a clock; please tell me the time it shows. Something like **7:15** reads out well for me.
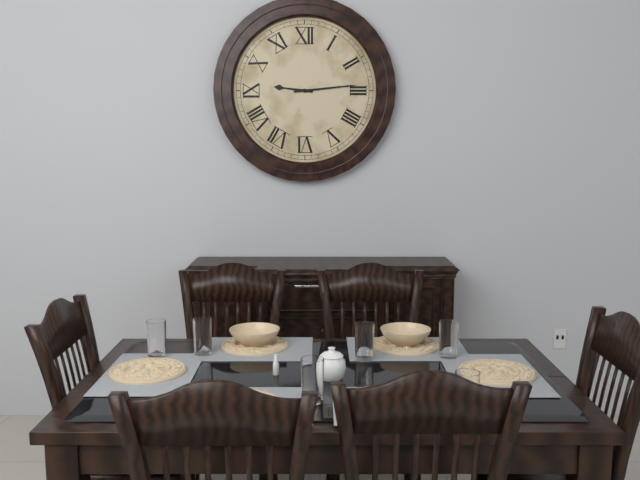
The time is **9:14**
